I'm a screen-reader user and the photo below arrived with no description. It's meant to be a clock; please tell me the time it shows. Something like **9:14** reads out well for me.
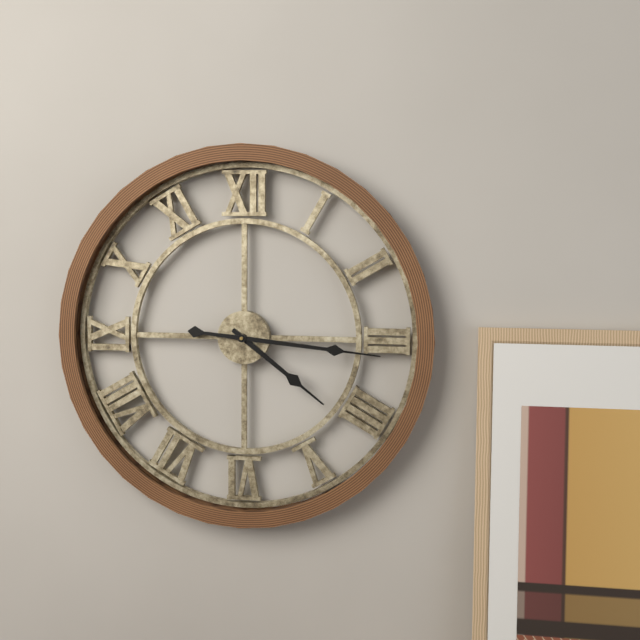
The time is **4:16**
